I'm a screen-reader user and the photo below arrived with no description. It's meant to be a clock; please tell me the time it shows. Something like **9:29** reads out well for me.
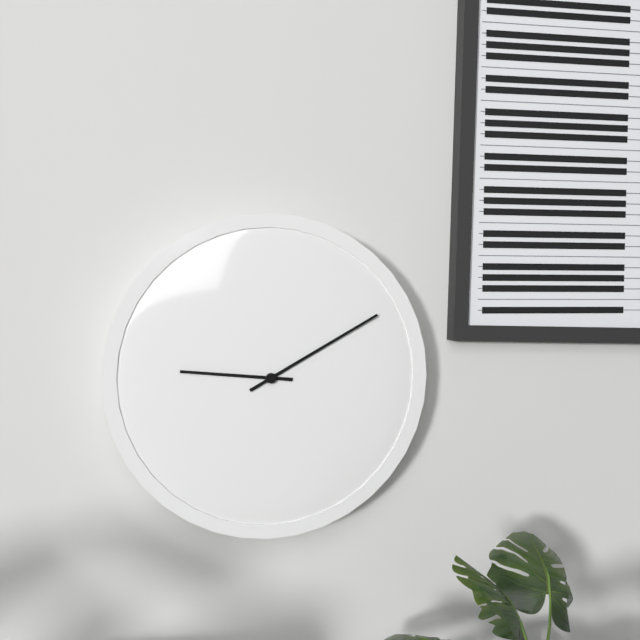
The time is **9:10**
